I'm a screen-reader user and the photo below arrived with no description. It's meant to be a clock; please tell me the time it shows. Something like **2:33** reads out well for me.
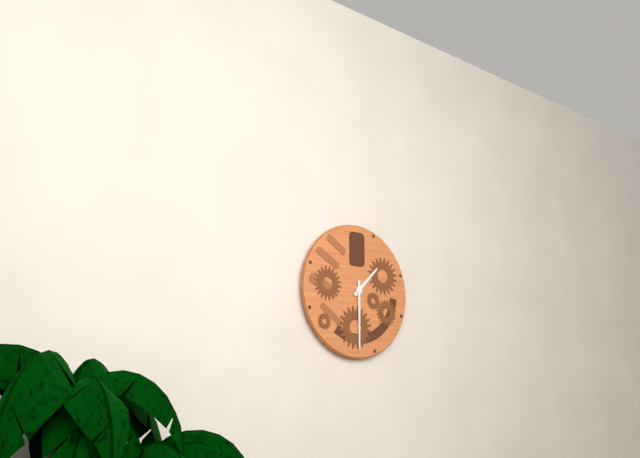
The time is **1:30**
